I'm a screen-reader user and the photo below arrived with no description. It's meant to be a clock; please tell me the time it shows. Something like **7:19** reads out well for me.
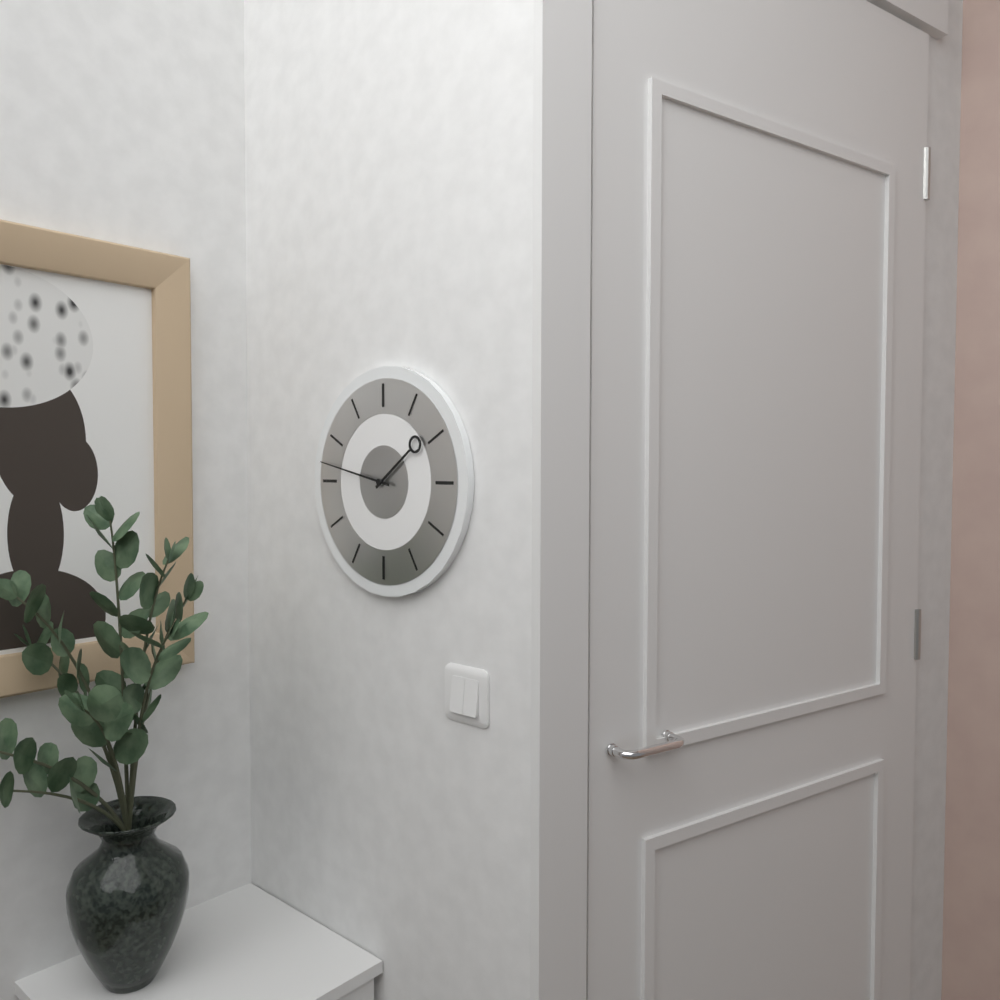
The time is **1:47**
